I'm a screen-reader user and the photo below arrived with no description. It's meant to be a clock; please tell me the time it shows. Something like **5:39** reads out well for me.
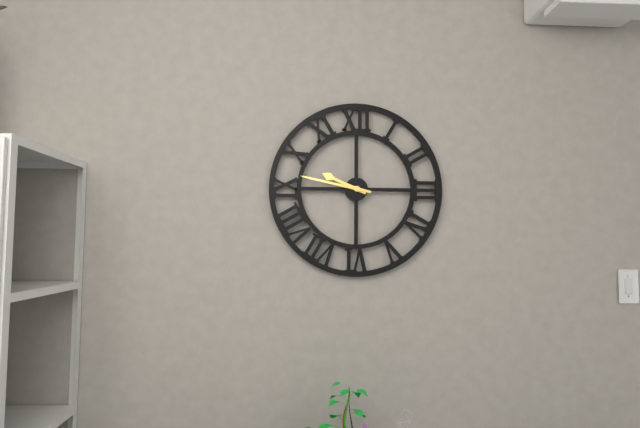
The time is **9:47**
